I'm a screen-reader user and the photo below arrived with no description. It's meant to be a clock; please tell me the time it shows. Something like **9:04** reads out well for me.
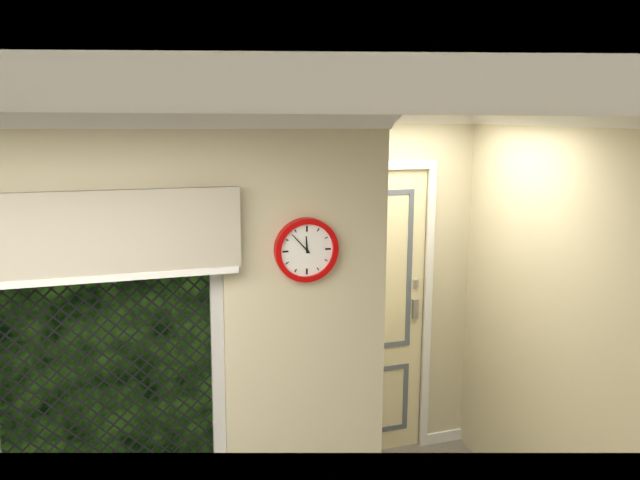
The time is **11:53**
